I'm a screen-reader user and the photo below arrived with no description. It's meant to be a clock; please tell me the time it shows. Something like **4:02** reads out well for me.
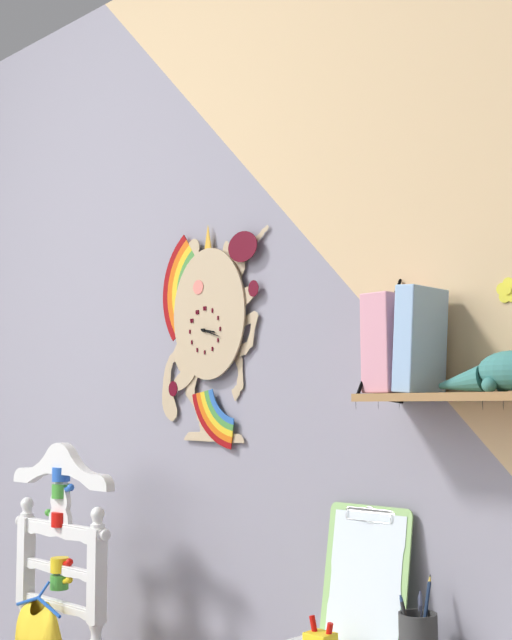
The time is **3:18**
